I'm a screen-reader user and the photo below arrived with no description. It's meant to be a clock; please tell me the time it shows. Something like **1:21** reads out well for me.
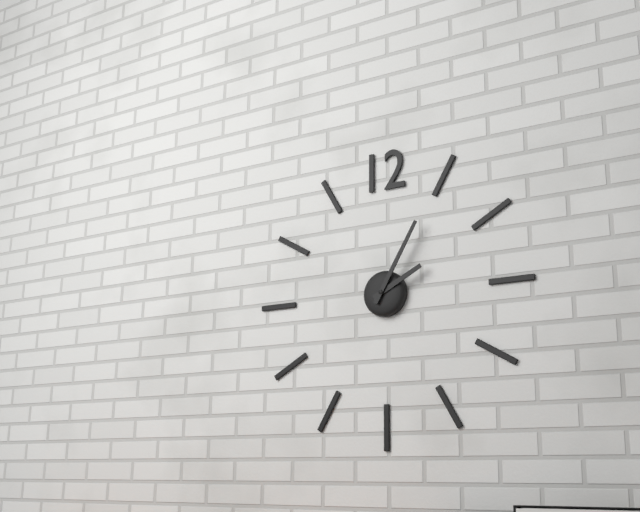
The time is **2:05**
